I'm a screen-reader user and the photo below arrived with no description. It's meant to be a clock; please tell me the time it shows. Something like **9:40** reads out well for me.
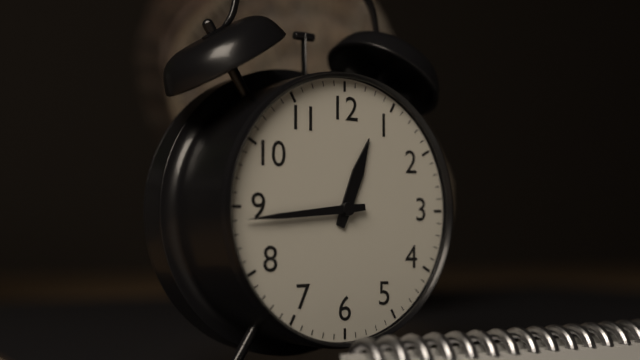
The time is **12:44**
